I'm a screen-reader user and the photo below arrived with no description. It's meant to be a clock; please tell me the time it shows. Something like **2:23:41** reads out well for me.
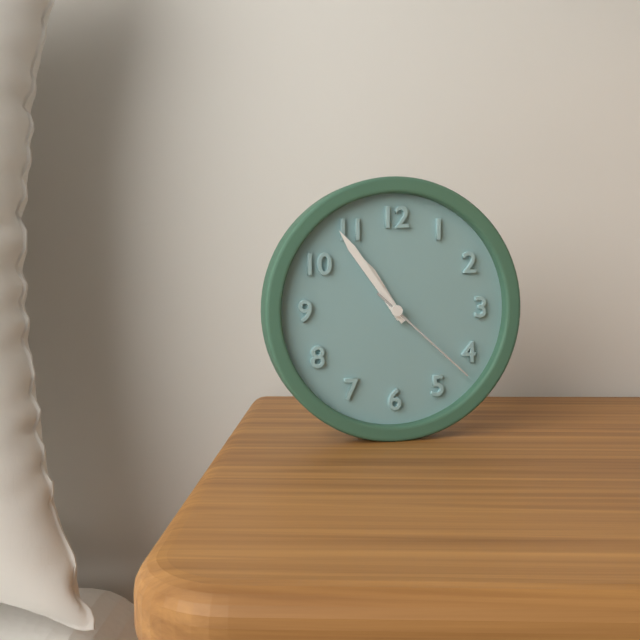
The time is **10:54:22**
